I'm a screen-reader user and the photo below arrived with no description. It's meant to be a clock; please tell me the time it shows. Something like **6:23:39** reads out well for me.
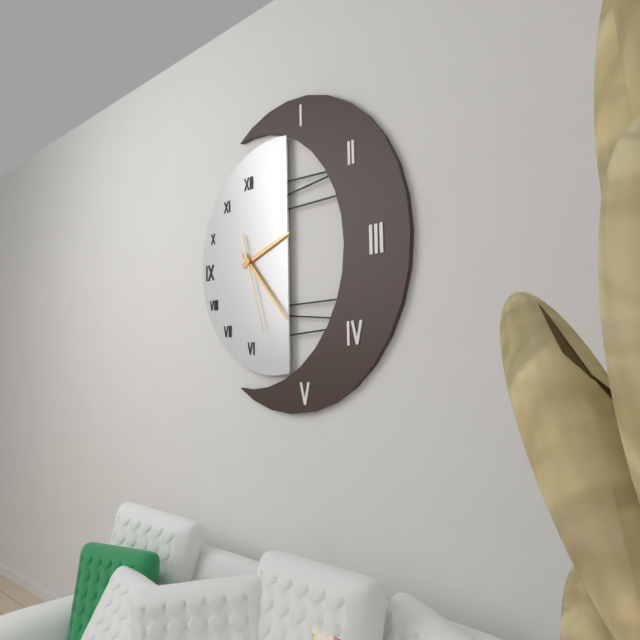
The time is **2:23:27**
